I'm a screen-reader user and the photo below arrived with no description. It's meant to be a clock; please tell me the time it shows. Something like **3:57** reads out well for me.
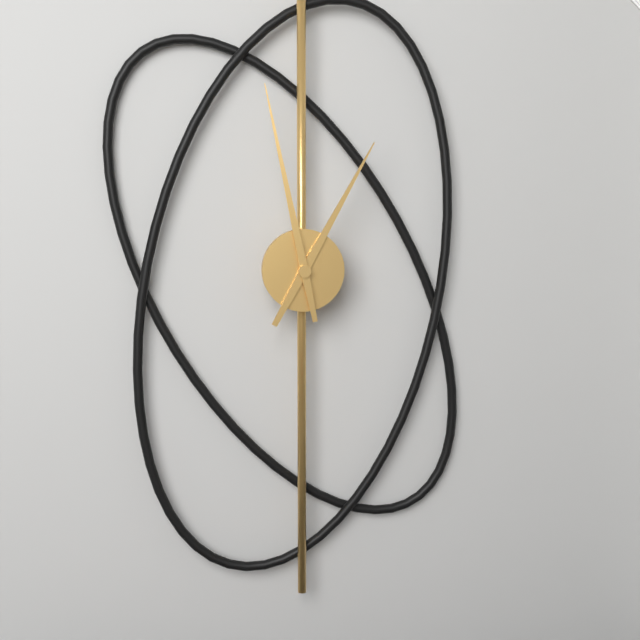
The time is **12:58**
